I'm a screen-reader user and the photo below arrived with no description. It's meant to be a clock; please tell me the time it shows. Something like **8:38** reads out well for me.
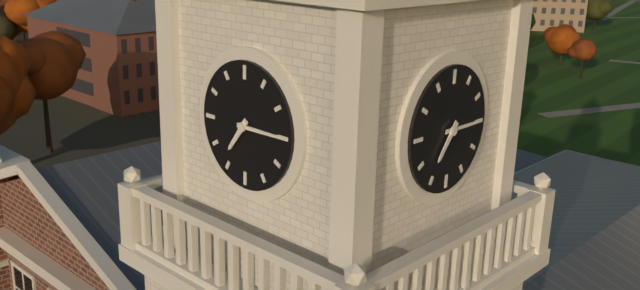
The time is **7:15**
